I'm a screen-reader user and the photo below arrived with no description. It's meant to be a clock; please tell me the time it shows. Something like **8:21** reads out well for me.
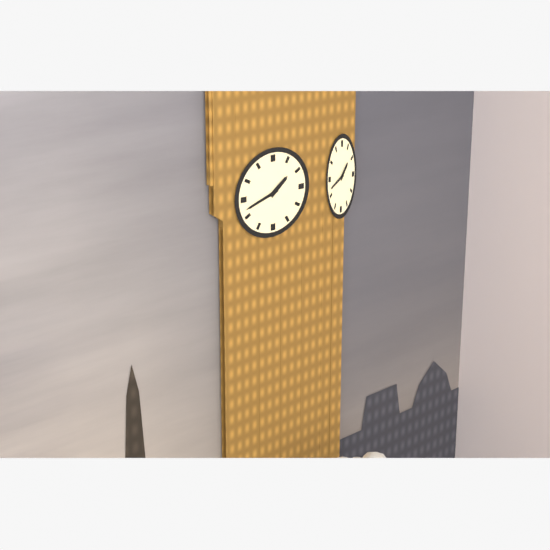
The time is **1:42**
